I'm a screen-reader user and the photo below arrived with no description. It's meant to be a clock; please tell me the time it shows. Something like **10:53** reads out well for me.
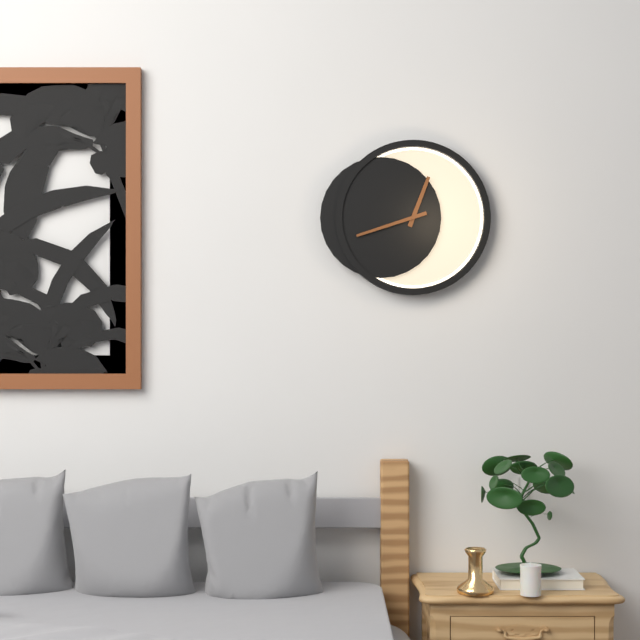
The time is **12:42**
